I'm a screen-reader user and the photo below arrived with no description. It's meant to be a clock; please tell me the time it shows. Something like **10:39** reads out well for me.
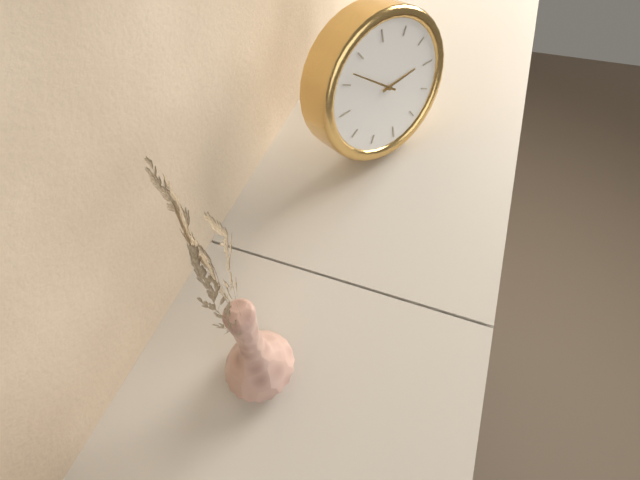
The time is **2:52**
